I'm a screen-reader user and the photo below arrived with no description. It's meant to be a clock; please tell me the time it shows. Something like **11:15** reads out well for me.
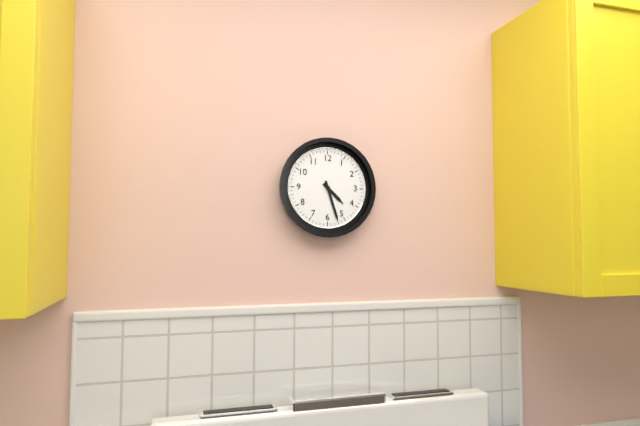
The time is **4:27**
